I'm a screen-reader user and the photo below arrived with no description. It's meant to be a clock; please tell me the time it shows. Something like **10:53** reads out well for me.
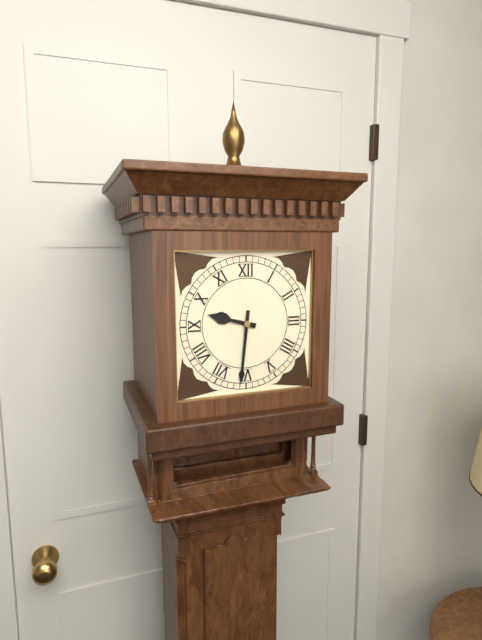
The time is **9:31**
